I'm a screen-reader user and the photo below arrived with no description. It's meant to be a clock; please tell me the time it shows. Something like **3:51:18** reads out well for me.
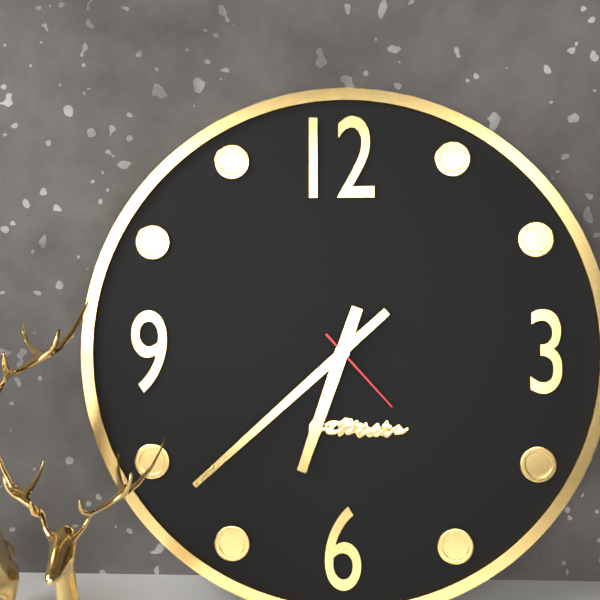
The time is **6:38:23**
